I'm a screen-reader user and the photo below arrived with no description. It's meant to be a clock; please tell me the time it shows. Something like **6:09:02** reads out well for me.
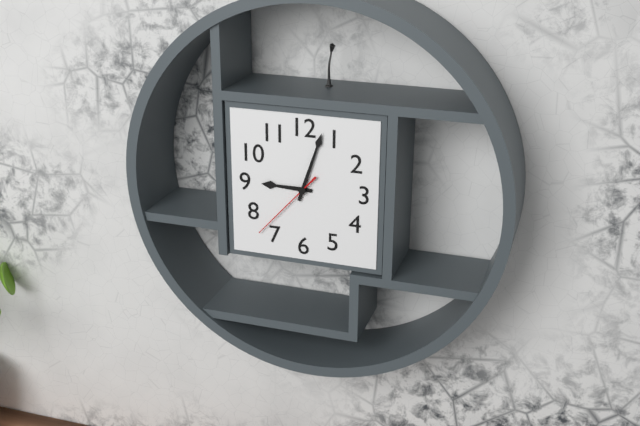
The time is **9:03:37**
